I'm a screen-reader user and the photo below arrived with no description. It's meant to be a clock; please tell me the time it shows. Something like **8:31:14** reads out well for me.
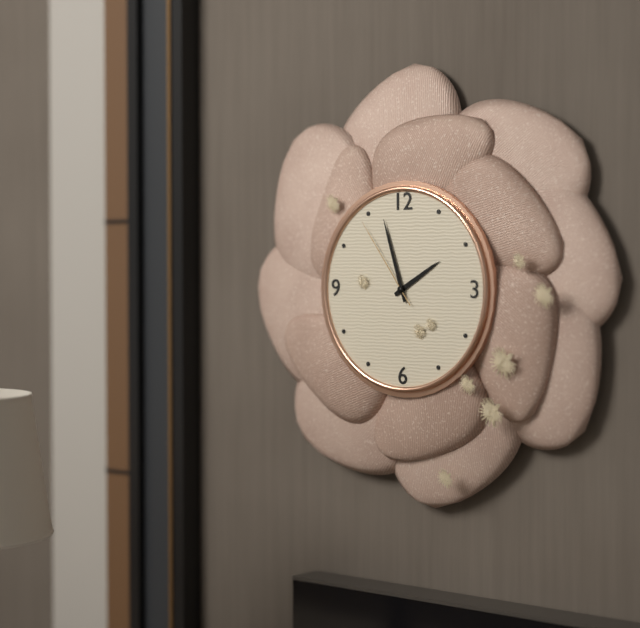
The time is **1:57:54**
